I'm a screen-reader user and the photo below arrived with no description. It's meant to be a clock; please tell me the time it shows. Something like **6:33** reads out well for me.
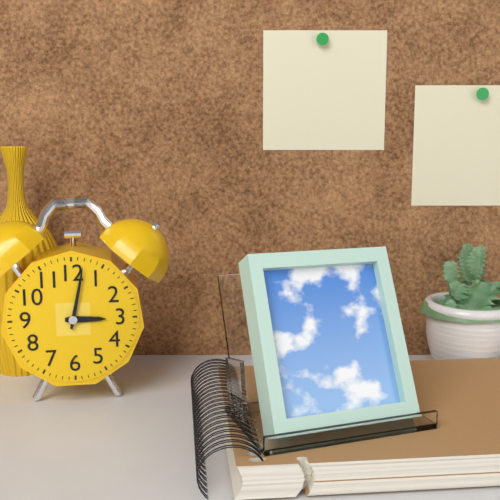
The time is **3:02**
